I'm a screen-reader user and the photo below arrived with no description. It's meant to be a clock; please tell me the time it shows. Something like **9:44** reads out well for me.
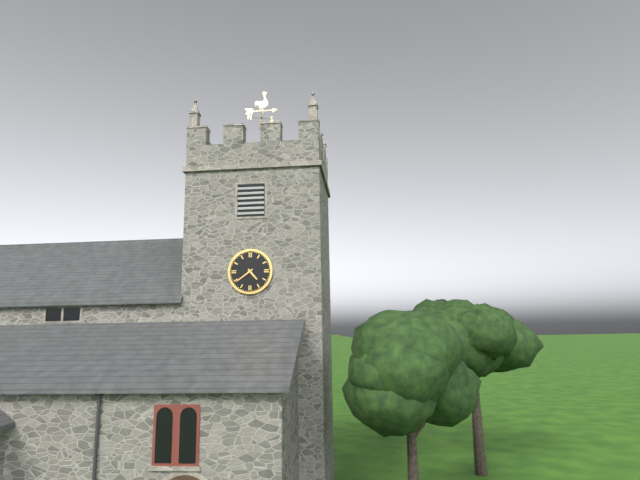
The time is **4:39**
